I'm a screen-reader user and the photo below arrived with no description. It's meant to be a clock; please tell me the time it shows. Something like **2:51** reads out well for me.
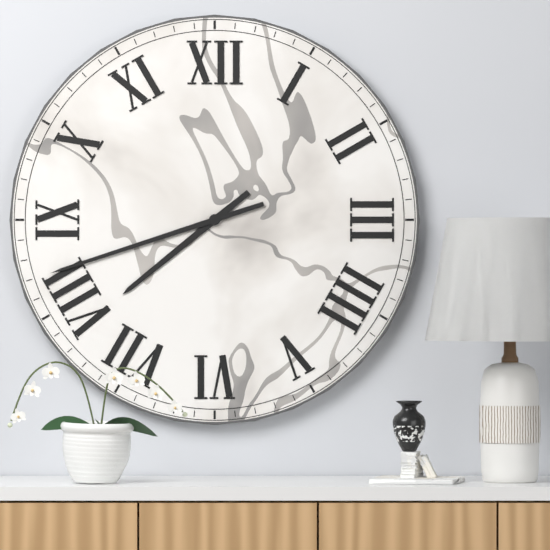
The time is **7:42**
